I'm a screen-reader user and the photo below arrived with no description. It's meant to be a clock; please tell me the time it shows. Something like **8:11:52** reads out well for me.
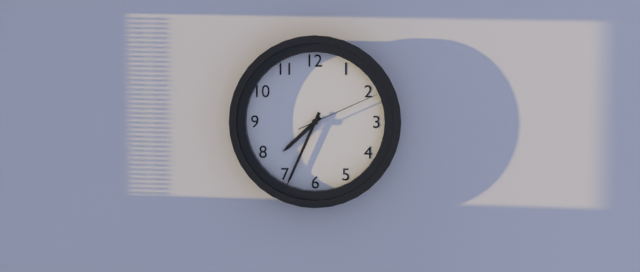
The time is **7:34:11**
